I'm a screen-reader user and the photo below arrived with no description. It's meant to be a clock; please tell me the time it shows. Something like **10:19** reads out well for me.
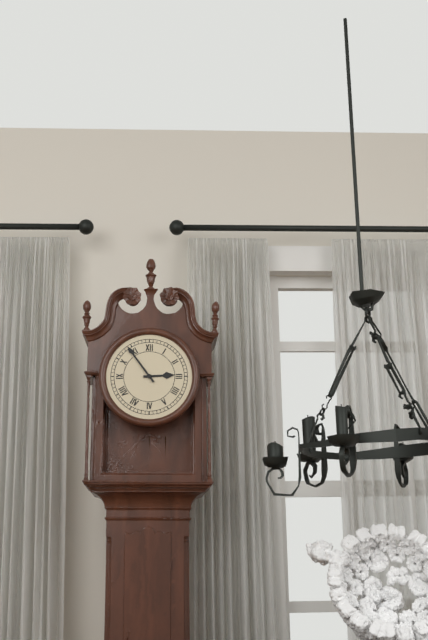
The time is **2:54**
